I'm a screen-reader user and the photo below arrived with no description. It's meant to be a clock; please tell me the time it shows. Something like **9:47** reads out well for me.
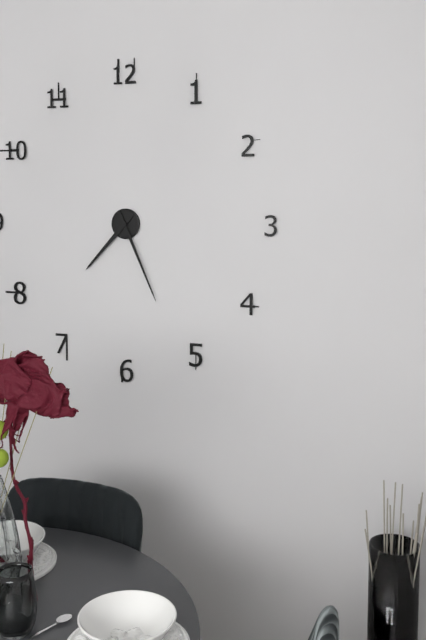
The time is **7:26**
